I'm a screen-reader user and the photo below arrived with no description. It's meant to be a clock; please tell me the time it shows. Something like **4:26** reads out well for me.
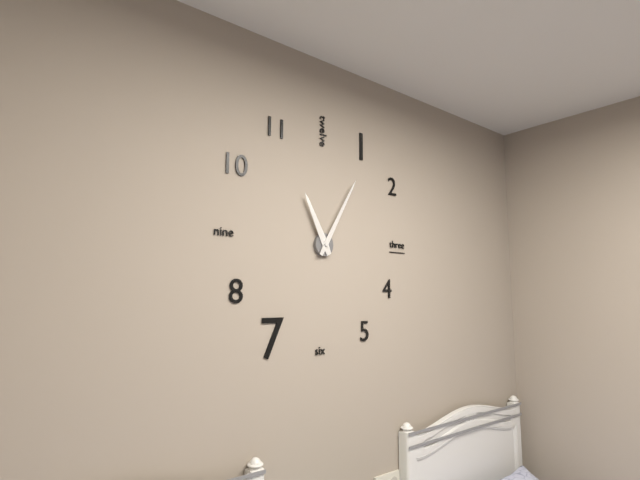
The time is **11:05**
